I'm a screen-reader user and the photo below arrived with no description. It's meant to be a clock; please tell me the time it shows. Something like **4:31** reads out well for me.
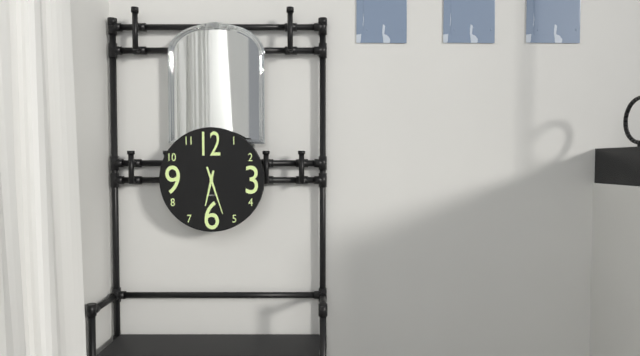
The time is **6:27**
